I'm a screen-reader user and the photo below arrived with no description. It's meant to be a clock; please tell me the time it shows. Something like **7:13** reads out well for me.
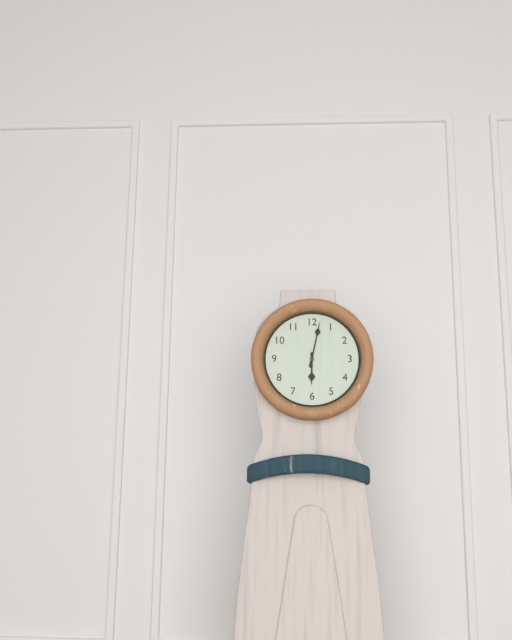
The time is **6:02**
